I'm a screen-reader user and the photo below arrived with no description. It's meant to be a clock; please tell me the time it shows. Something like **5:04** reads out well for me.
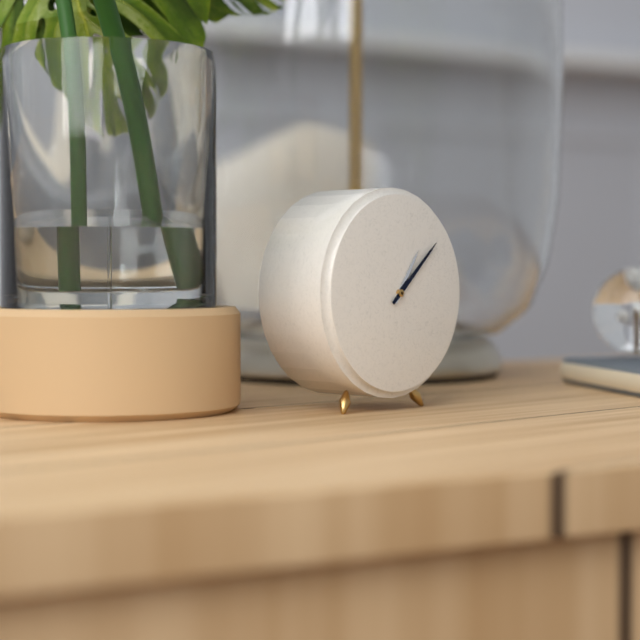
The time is **1:08**
